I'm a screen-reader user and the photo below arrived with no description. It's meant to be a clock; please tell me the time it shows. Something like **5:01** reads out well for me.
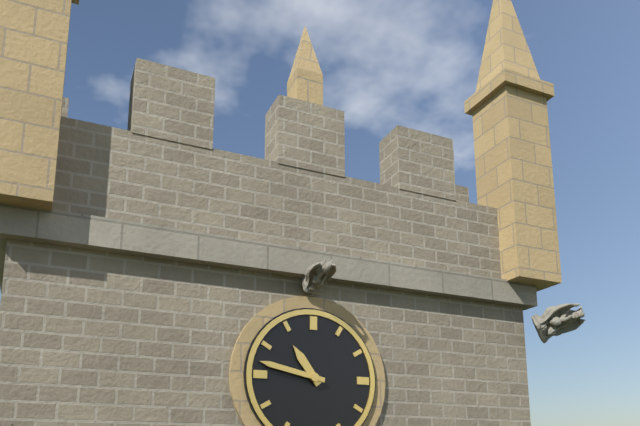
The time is **10:47**
